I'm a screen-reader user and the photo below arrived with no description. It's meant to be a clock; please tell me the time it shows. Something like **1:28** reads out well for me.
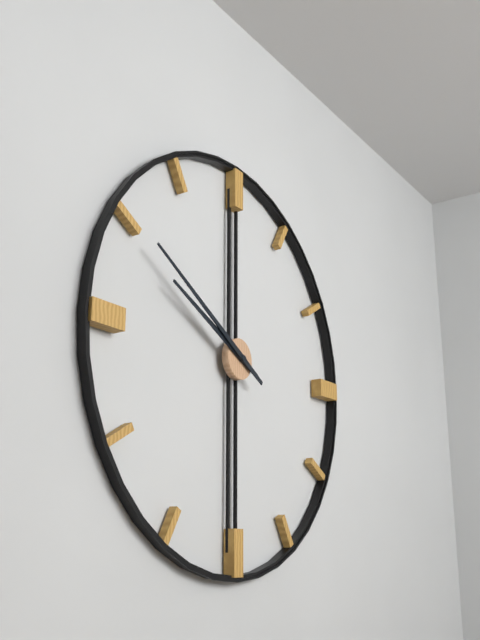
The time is **9:50**
